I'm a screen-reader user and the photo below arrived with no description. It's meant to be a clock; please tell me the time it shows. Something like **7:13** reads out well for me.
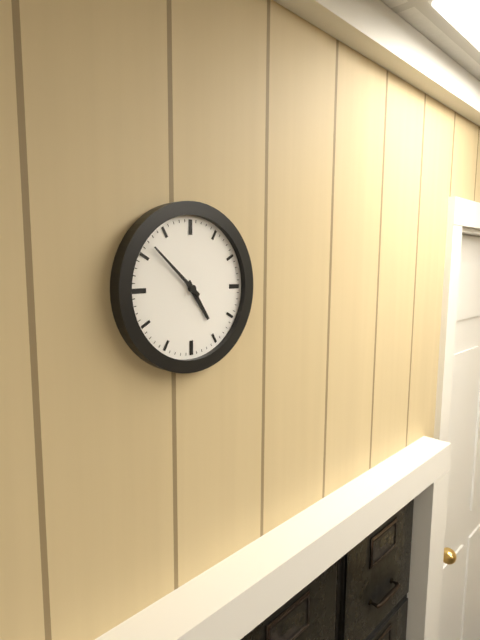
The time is **4:52**
